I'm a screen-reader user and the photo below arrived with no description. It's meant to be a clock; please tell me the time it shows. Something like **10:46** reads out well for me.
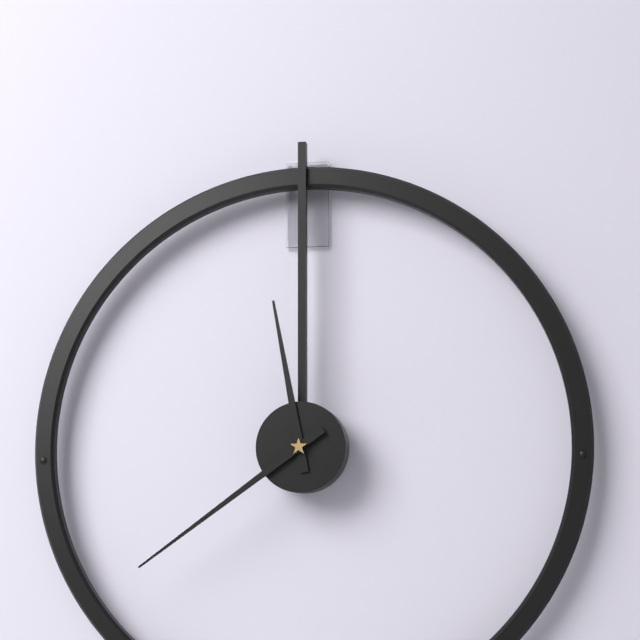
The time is **11:39**
